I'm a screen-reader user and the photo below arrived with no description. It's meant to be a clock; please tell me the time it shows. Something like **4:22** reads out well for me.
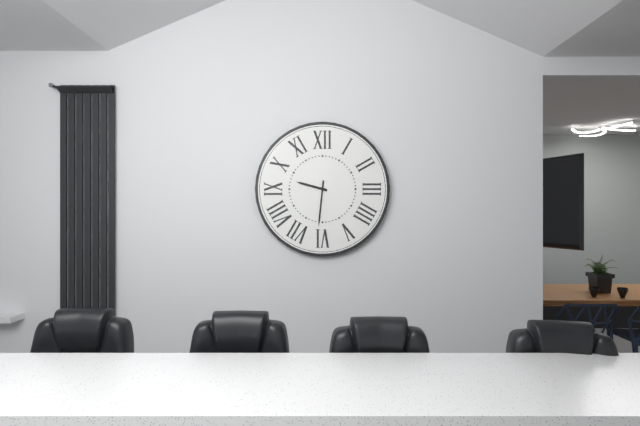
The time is **9:31**
